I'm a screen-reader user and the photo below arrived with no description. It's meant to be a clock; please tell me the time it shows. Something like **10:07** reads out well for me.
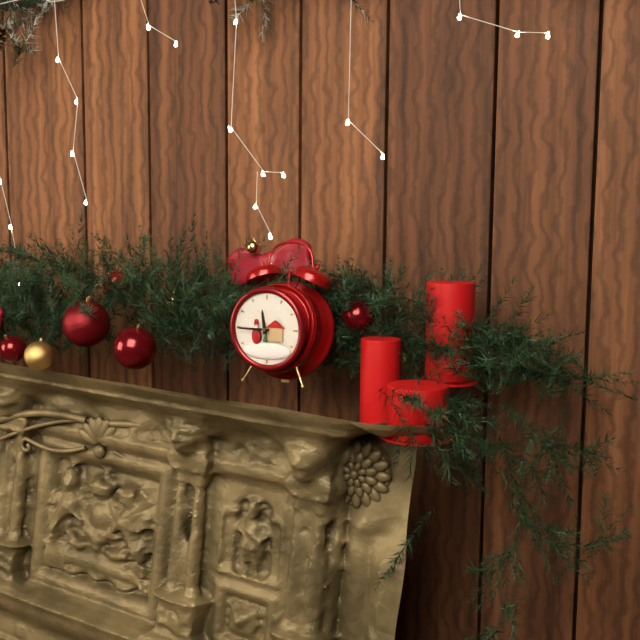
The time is **11:45**
